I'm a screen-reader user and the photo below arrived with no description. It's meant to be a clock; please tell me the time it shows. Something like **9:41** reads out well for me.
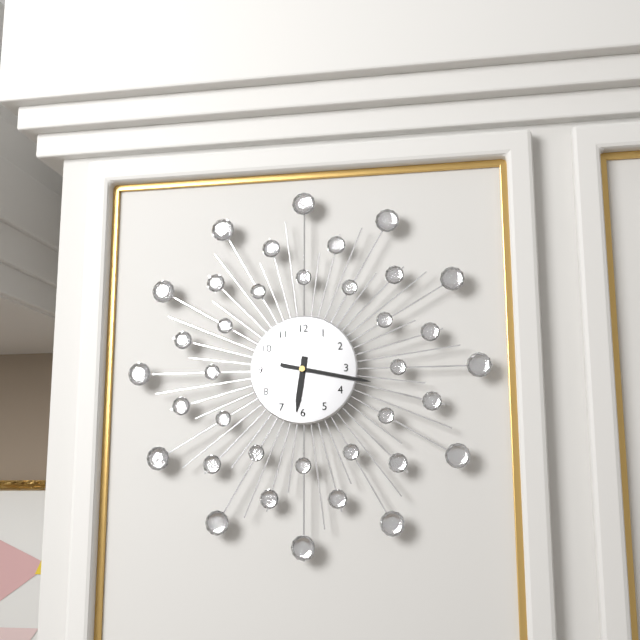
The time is **6:17**
